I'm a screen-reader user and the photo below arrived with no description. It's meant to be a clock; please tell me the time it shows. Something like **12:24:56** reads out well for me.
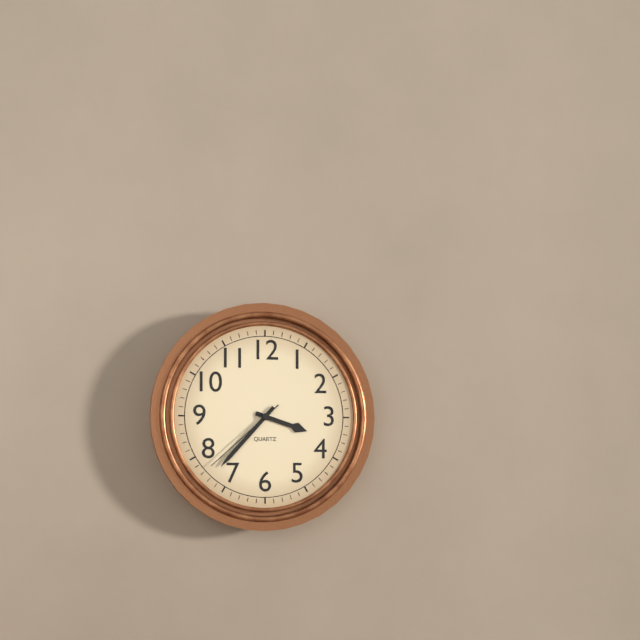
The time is **3:37:38**
